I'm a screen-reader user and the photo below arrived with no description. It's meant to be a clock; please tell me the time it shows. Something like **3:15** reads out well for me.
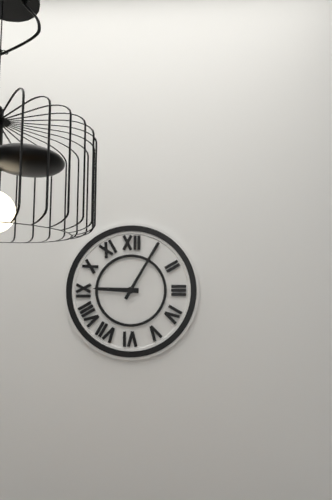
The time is **9:05**
